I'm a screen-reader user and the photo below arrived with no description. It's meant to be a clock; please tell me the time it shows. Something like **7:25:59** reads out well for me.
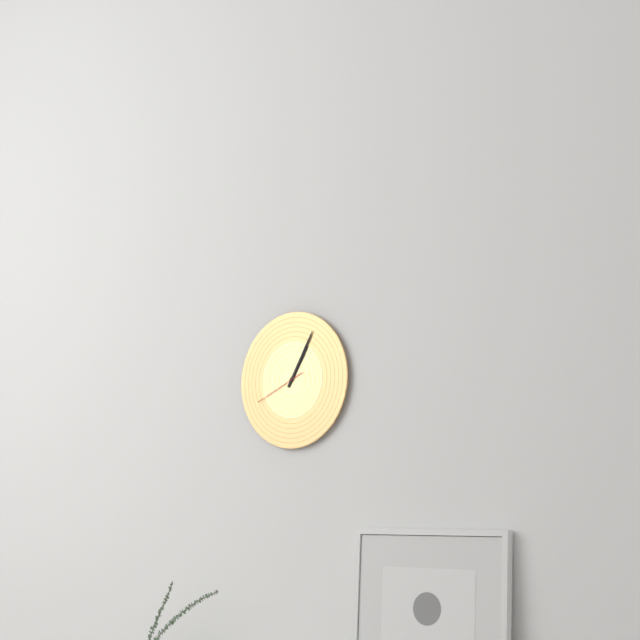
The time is **1:05:41**
